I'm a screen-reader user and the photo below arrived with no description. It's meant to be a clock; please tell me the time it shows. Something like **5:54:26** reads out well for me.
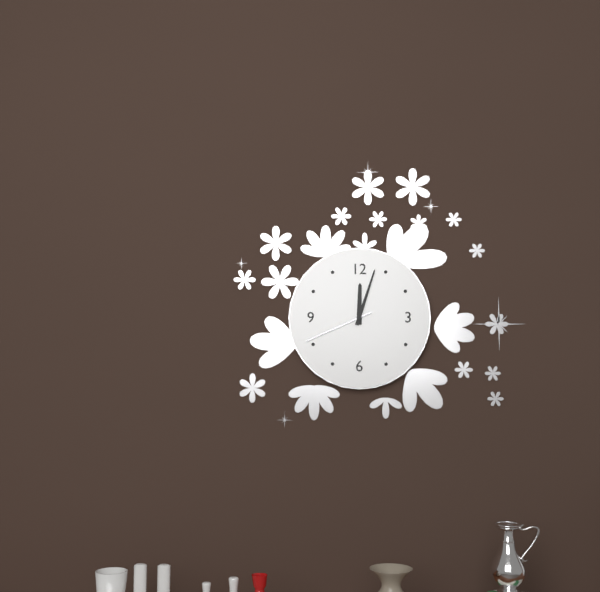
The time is **12:03:41**
